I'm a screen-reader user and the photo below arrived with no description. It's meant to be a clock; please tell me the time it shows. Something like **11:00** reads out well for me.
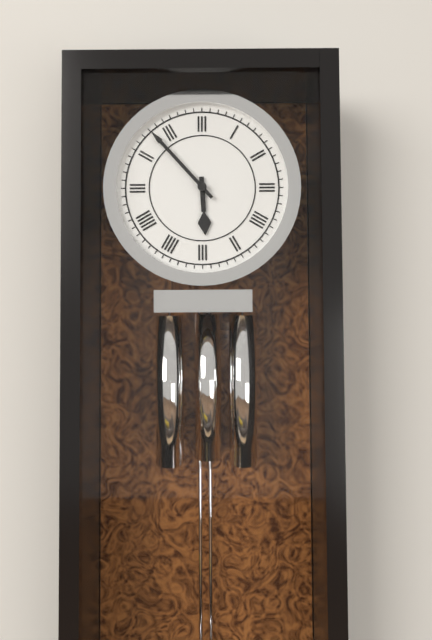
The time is **5:53**
